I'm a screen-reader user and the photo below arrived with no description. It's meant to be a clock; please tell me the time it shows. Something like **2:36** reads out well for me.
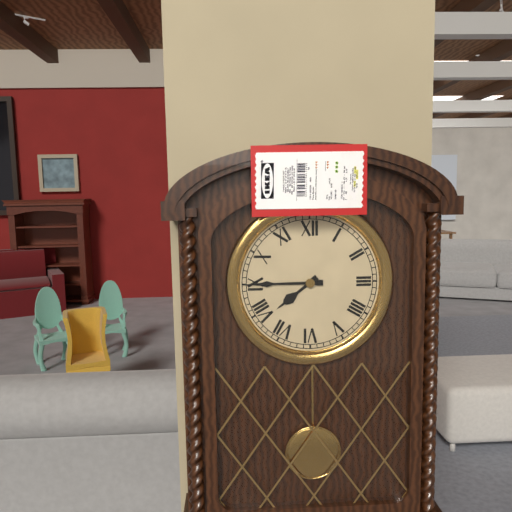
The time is **7:45**
